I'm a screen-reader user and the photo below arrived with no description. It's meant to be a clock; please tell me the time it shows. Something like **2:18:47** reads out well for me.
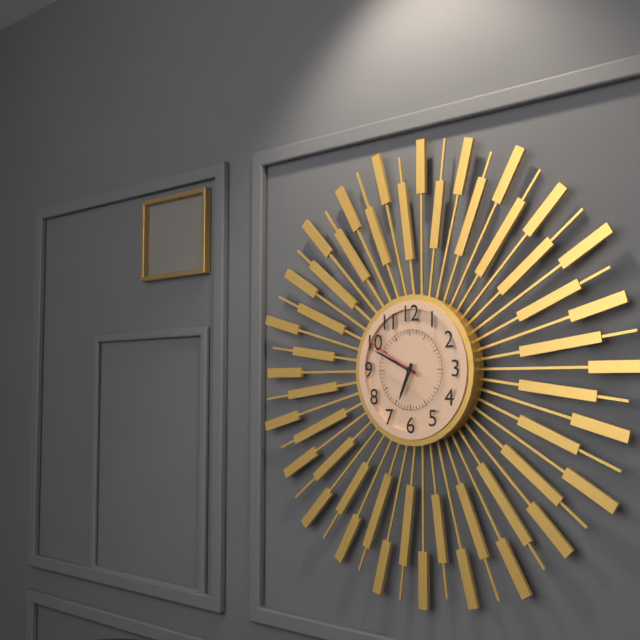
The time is **6:49:50**
